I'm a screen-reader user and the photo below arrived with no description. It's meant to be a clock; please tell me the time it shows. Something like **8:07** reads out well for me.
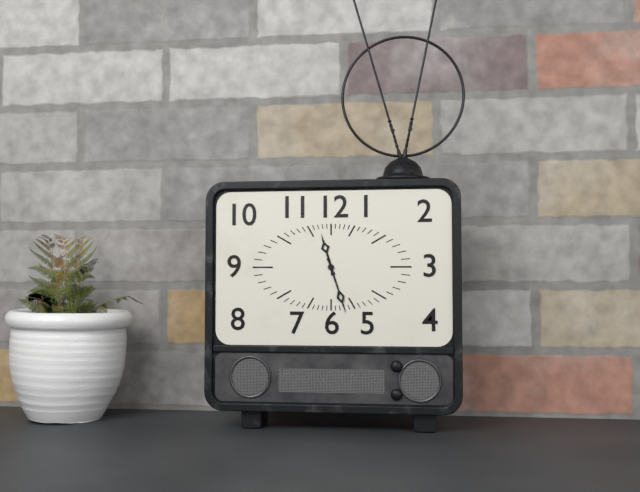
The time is **11:27**
